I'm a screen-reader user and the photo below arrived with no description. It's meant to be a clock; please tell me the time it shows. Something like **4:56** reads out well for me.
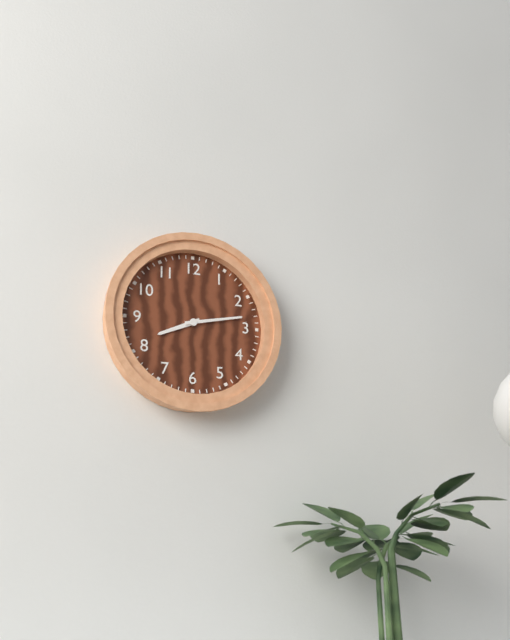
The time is **8:13**
